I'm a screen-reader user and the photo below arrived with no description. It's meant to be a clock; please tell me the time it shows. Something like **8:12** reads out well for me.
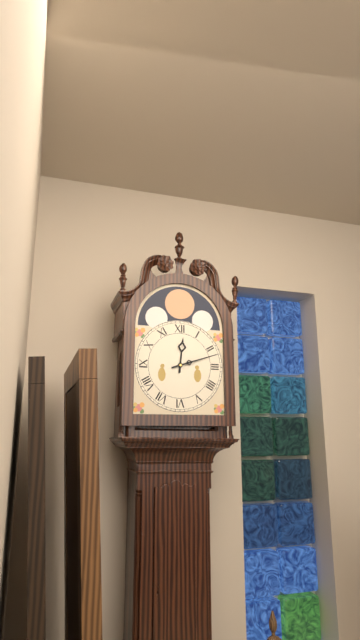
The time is **12:12**
